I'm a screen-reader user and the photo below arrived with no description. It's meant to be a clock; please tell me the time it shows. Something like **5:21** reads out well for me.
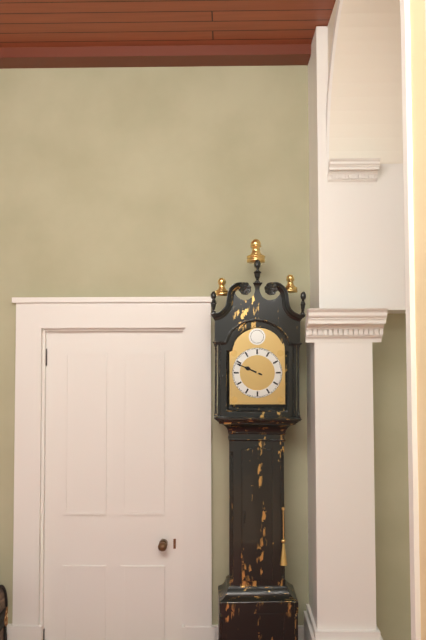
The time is **9:49**
